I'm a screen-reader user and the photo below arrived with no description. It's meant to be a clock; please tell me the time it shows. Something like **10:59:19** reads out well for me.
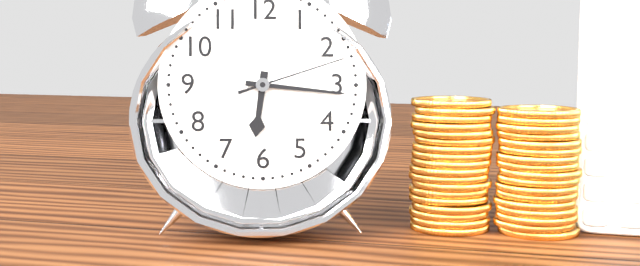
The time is **6:16:12**
